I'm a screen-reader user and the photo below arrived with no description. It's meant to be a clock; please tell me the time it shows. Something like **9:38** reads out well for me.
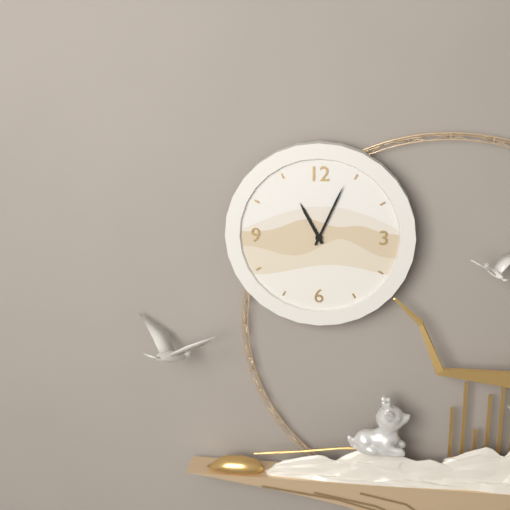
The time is **11:04**
